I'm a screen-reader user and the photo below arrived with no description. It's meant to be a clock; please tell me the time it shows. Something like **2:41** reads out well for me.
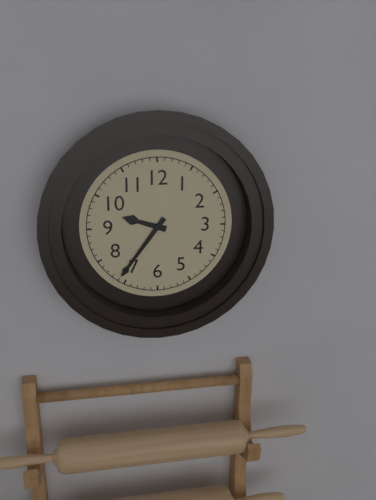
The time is **9:36**
